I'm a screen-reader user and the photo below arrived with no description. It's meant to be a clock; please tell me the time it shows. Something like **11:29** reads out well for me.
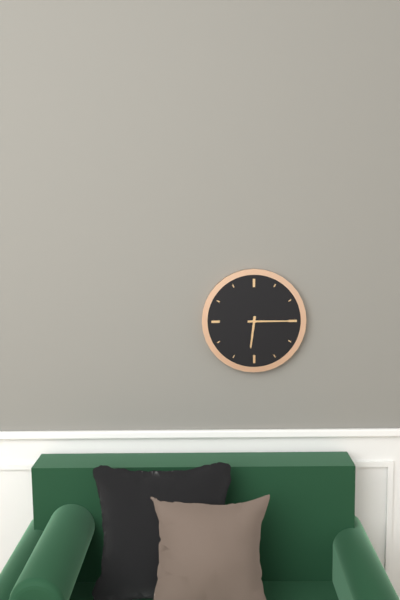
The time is **6:15**
